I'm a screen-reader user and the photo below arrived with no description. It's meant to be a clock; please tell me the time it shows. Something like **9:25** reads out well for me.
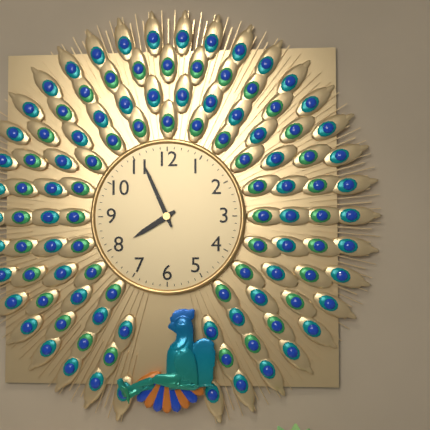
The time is **7:56**
